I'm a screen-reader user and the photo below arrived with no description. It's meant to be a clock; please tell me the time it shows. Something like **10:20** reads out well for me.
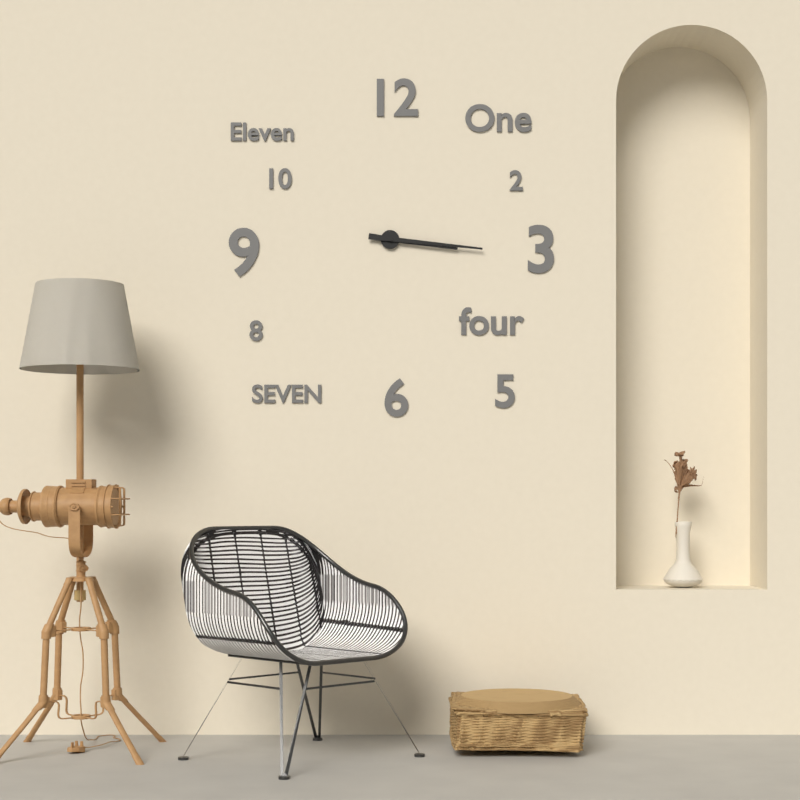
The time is **3:16**
